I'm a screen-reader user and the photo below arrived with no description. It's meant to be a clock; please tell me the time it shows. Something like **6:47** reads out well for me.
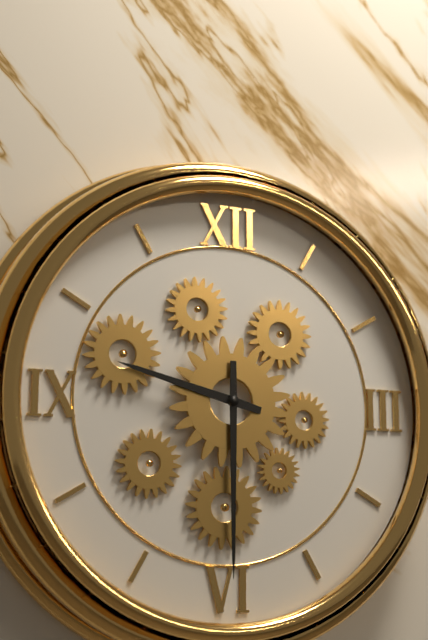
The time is **9:30**
